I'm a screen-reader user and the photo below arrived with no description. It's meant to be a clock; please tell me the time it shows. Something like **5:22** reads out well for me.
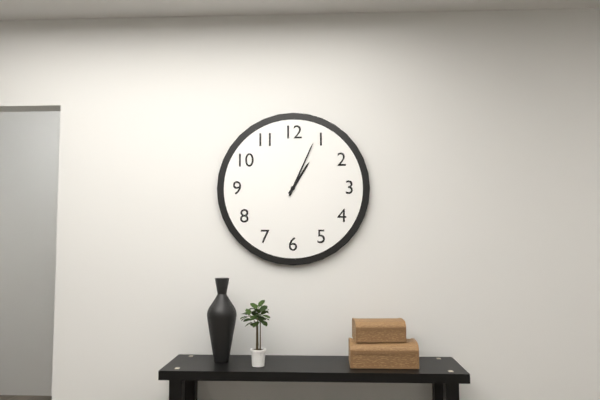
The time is **1:04**
